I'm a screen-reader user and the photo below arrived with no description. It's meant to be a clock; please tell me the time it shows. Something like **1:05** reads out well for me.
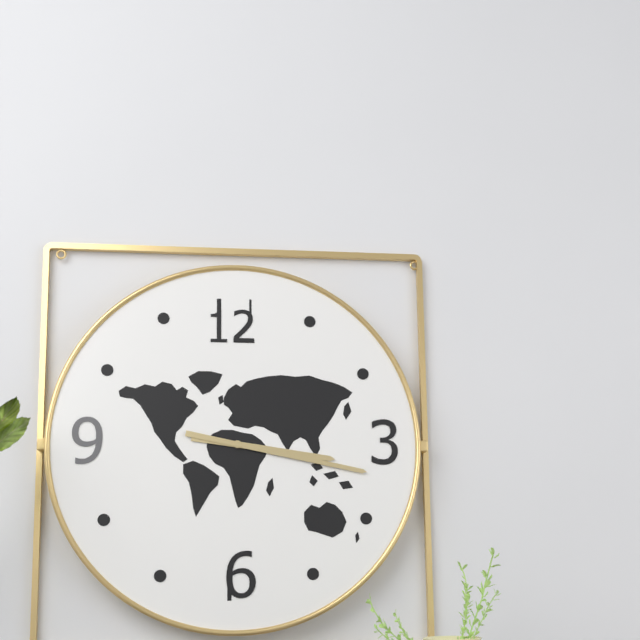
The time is **3:17**
